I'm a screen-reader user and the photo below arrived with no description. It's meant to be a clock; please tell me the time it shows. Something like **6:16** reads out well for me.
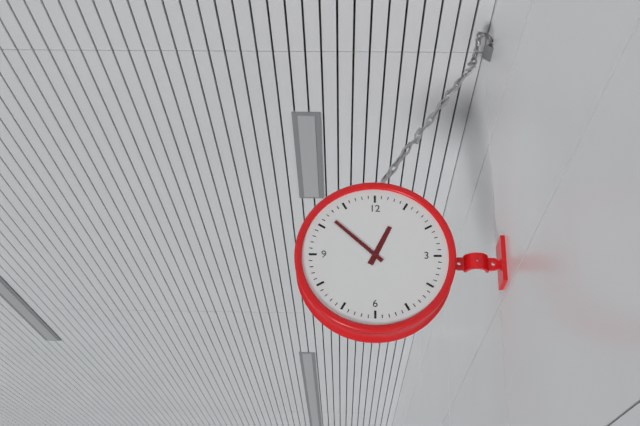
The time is **12:52**
